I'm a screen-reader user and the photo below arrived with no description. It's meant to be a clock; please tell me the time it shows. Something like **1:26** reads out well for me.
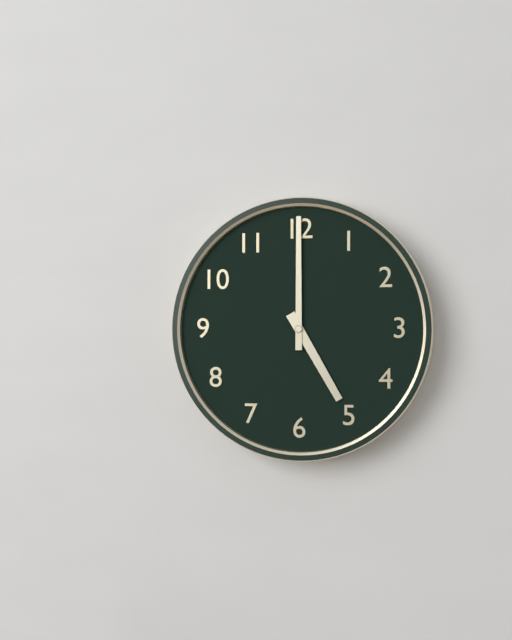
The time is **5:00**
